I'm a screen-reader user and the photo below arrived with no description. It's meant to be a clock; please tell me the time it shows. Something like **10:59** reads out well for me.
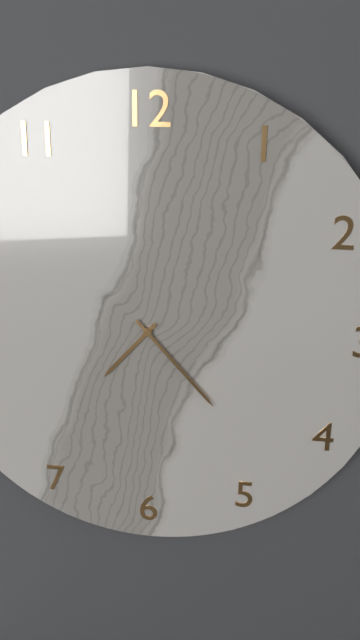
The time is **7:23**
